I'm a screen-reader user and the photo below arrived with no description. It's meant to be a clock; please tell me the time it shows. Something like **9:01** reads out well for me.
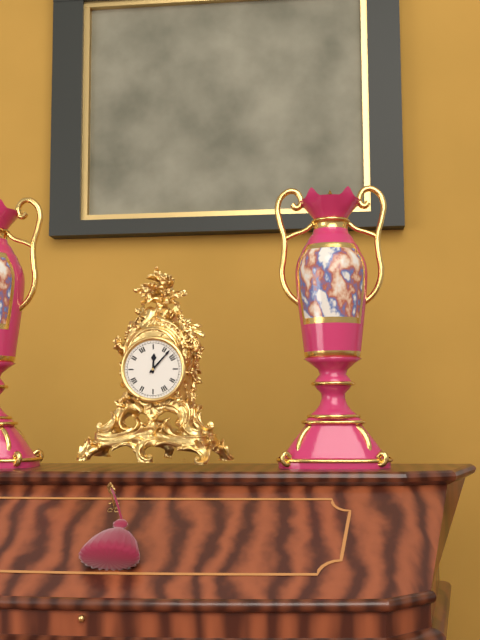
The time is **12:07**
